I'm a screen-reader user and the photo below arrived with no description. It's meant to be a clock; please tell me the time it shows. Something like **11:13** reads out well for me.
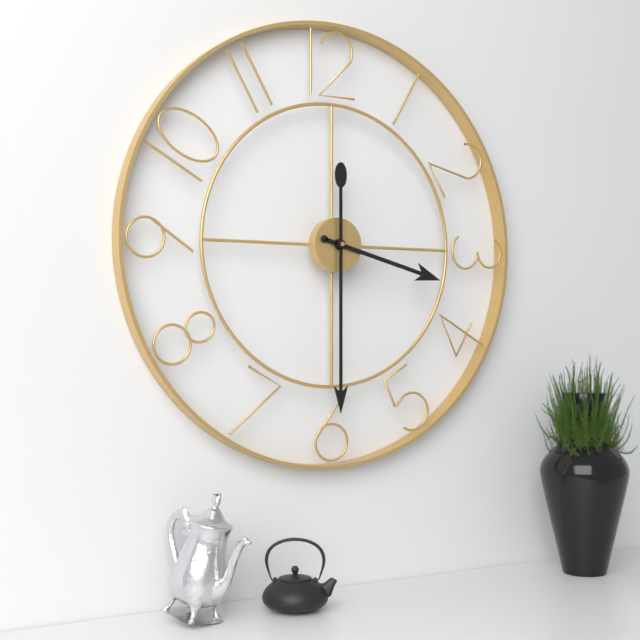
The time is **3:30**
